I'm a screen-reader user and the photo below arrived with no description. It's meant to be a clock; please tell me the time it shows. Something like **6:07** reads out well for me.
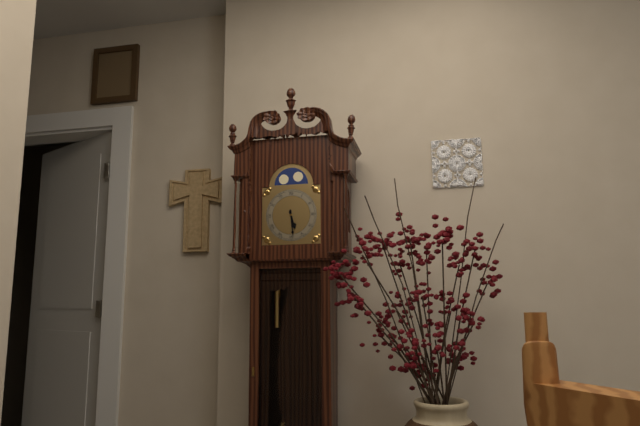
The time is **5:29**
